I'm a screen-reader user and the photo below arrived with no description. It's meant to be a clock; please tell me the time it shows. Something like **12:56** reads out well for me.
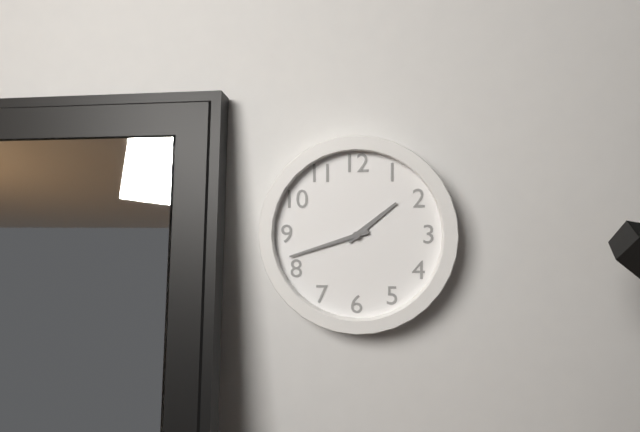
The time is **1:42**
